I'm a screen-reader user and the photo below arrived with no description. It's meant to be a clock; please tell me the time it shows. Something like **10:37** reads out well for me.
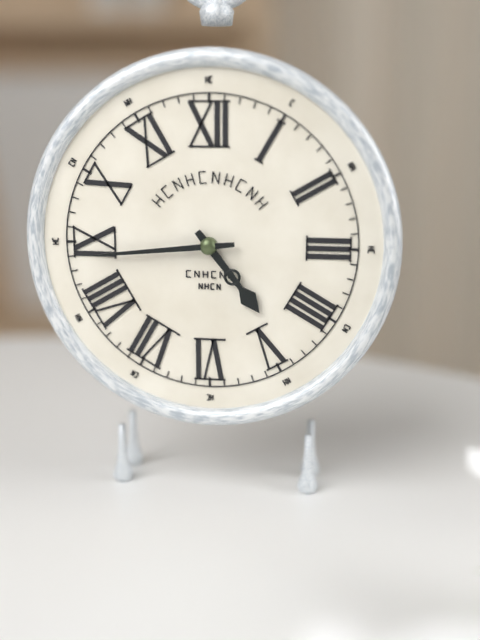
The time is **4:44**
